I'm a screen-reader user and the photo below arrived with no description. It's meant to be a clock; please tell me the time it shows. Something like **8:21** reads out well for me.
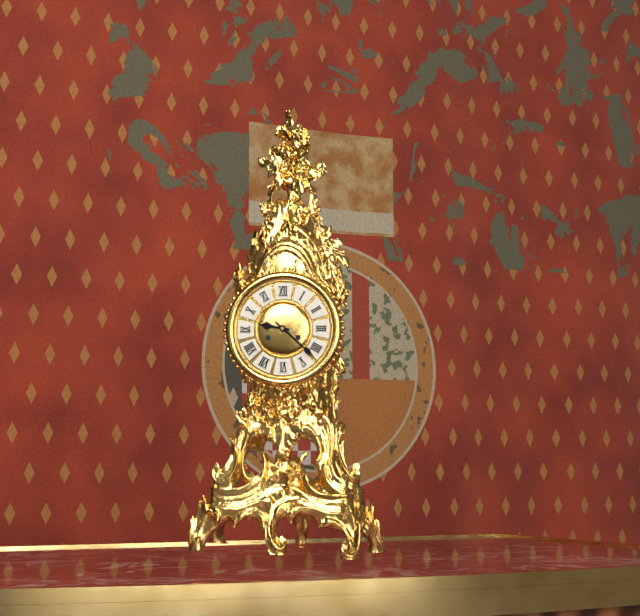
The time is **9:22**
